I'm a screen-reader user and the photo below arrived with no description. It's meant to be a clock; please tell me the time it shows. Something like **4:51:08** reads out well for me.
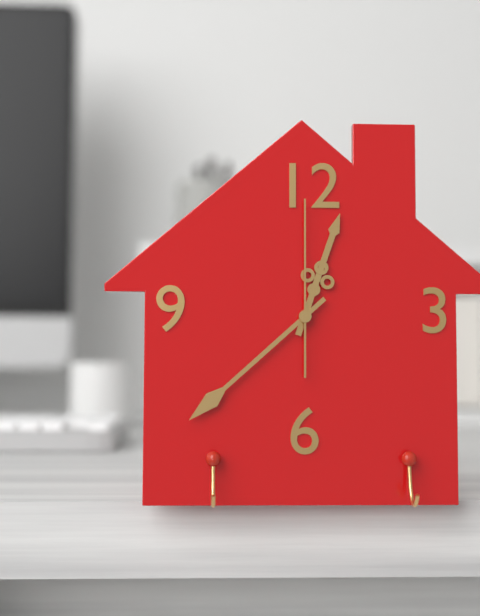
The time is **12:38:00**
